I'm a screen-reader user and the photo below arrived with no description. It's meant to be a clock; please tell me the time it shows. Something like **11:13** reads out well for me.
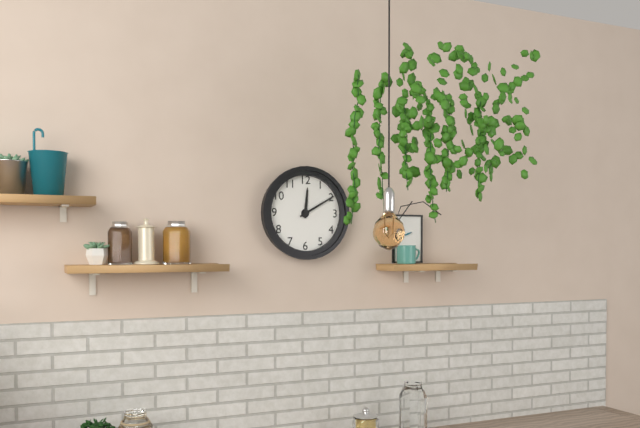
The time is **12:10**
